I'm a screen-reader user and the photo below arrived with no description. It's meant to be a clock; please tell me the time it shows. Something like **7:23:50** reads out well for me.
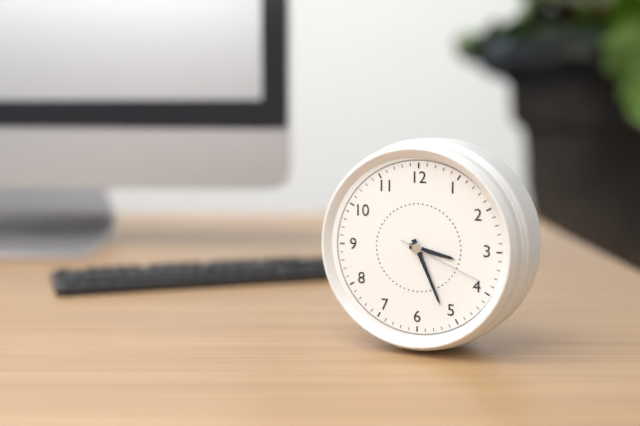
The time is **3:26:19**
